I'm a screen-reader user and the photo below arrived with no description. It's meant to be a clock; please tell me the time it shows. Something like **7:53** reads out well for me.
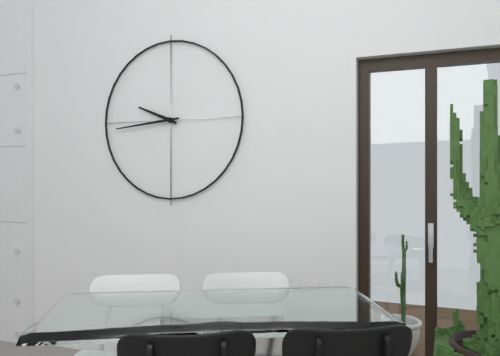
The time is **9:44**
